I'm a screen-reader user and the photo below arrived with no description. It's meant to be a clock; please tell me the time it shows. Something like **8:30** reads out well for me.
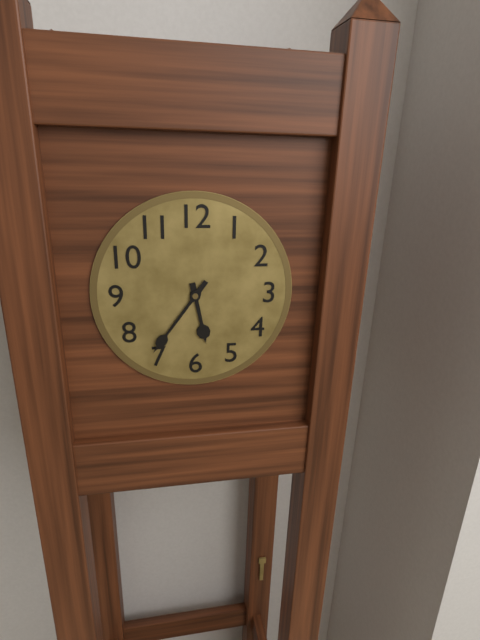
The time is **5:36**
